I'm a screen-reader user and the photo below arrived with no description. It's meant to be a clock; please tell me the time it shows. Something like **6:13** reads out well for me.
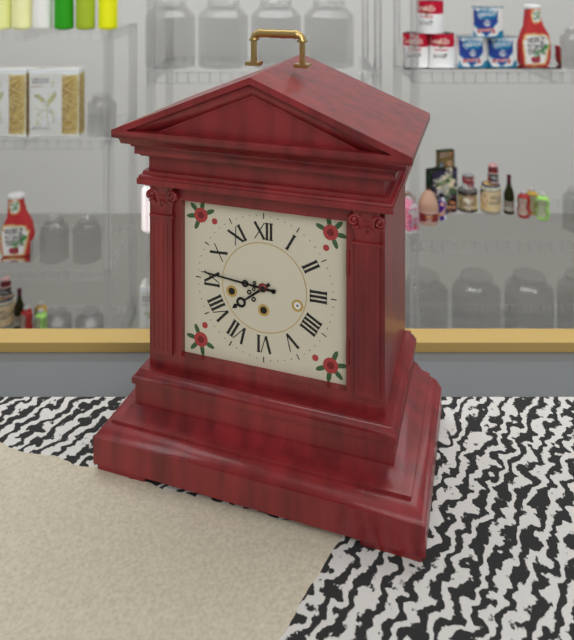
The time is **7:46**
